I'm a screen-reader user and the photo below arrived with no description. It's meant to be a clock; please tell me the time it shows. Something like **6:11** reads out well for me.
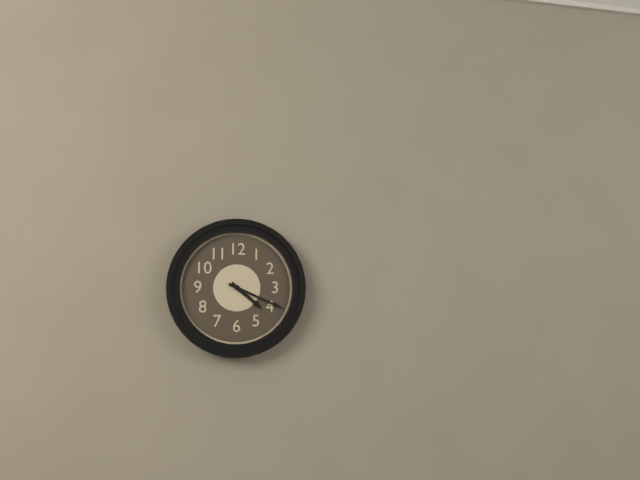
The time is **4:19**
